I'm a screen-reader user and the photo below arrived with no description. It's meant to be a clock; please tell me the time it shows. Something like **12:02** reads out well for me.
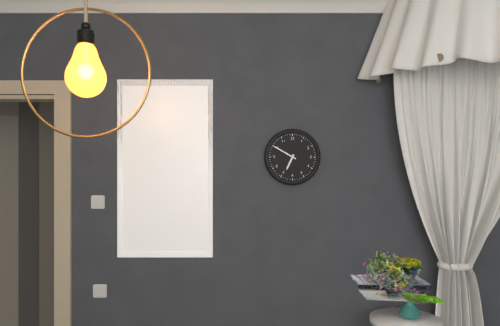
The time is **6:50**
